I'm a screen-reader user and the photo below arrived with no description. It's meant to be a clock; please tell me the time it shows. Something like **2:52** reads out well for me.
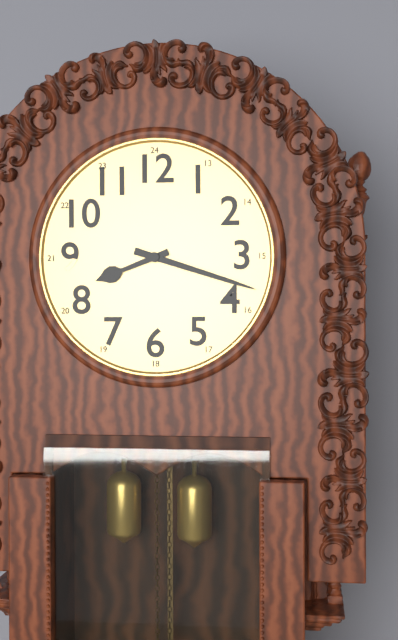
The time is **8:18**
